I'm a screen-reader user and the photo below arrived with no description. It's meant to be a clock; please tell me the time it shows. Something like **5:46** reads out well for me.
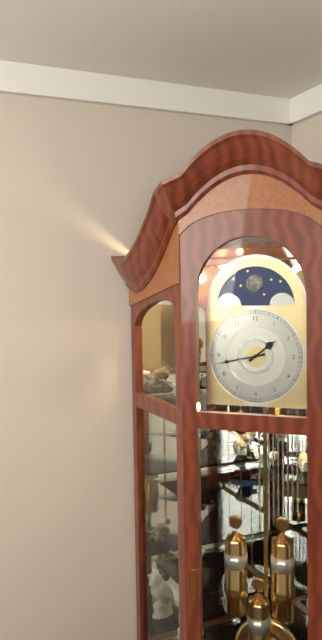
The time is **1:43**
